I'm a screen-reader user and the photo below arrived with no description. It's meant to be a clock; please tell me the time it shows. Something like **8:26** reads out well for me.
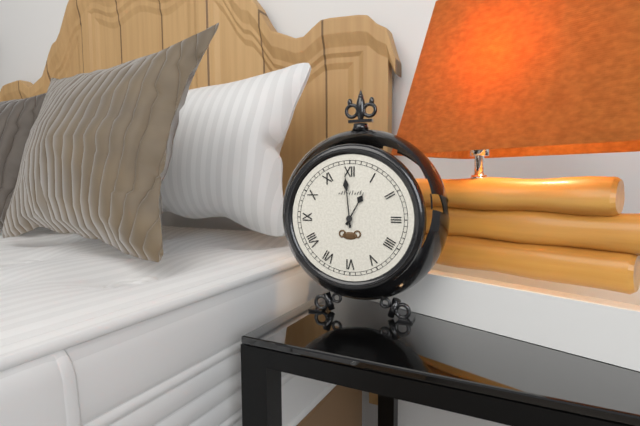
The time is **12:59**
